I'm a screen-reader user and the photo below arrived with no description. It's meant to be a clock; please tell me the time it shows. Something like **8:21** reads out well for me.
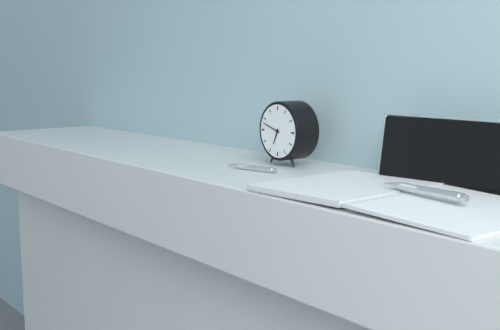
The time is **6:48**
